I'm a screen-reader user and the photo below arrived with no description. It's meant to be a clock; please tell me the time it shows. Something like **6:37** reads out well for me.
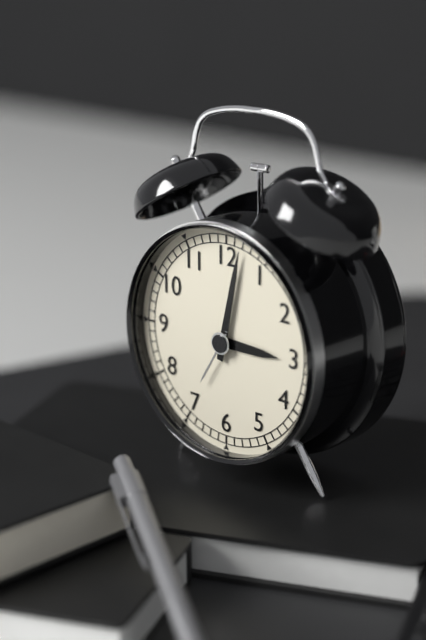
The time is **3:02**
